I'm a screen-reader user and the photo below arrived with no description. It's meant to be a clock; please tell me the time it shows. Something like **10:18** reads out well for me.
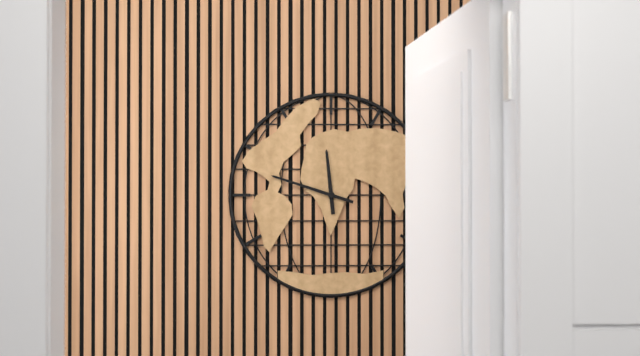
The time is **11:48**
